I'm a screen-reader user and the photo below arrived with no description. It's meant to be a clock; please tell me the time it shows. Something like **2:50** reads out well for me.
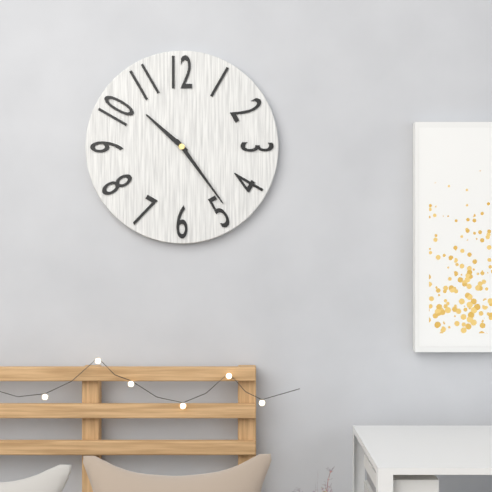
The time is **10:24**
